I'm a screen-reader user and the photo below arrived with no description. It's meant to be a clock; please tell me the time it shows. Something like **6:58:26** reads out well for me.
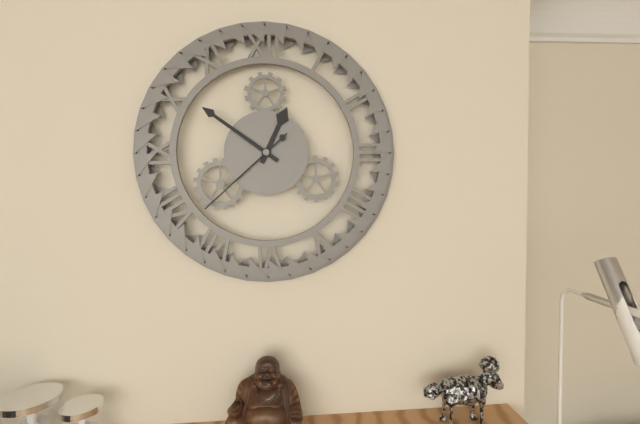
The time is **12:51:38**
